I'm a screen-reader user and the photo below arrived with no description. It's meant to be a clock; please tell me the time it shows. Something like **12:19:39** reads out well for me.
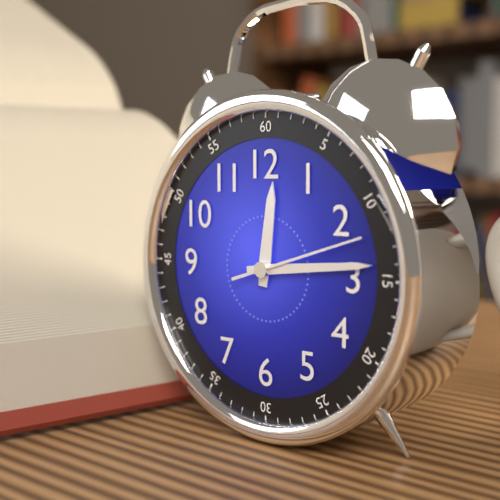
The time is **12:14:12**
